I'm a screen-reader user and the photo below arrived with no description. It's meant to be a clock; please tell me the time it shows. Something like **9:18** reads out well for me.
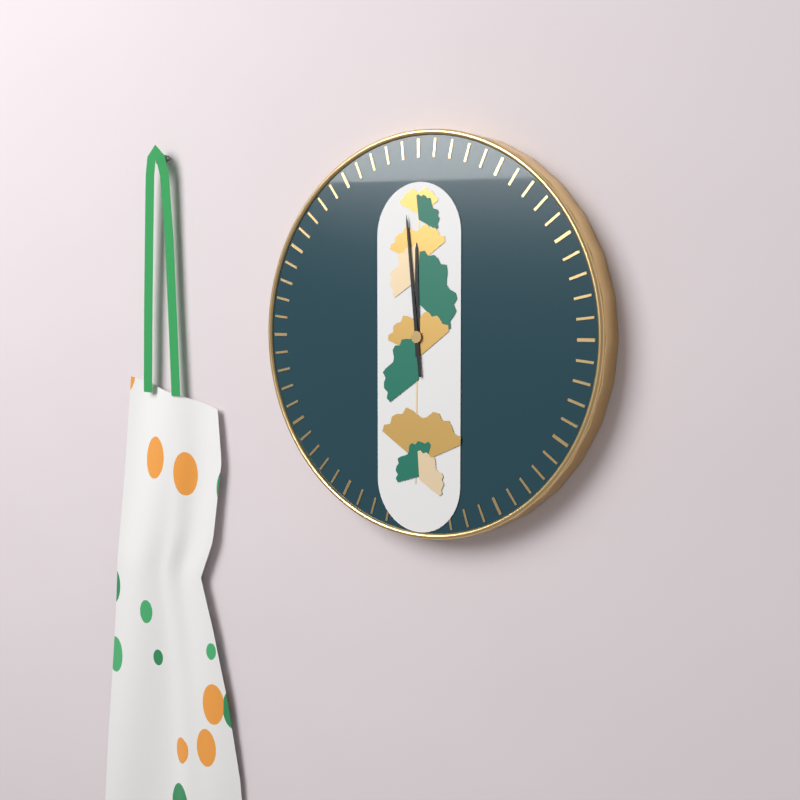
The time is **11:59**
